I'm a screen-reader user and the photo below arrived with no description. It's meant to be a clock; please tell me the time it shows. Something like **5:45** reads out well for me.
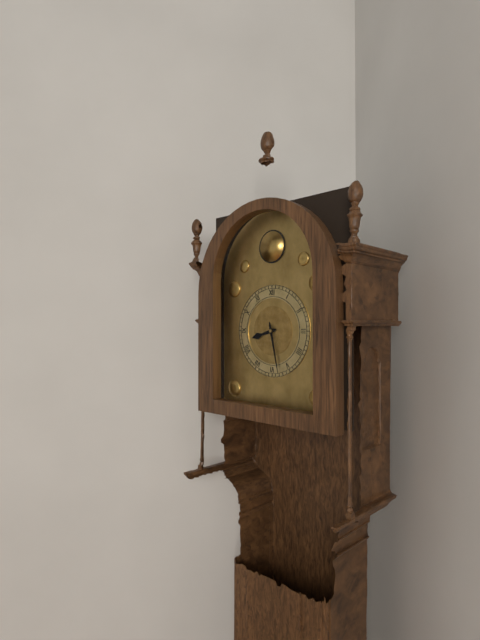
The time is **8:28**
